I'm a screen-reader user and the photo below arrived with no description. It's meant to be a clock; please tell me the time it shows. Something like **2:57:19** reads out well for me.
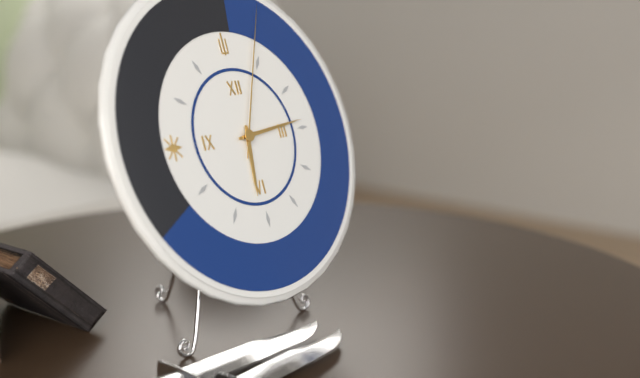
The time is **6:14:04**
